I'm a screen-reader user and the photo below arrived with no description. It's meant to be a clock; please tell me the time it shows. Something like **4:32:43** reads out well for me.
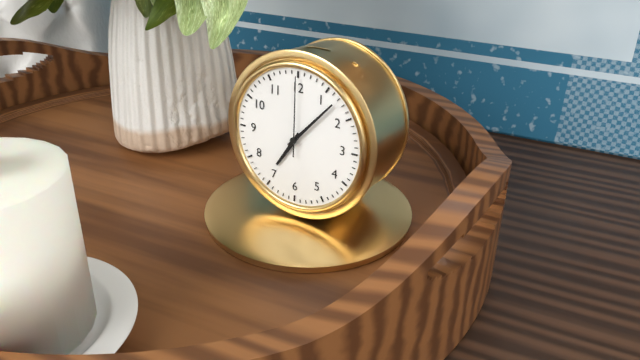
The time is **7:07:00**
